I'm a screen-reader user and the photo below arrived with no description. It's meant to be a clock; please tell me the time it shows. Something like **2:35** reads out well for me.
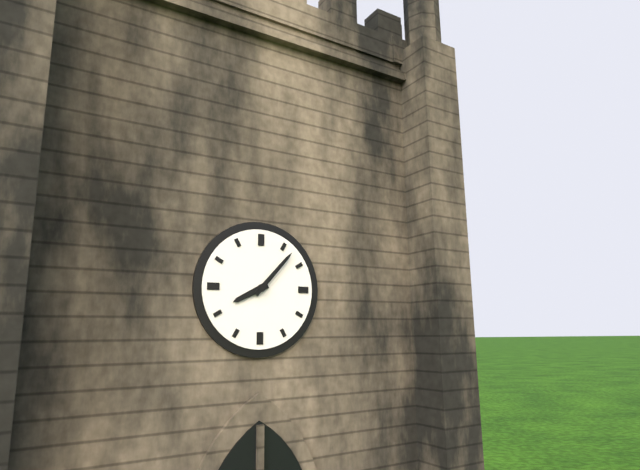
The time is **8:07**
